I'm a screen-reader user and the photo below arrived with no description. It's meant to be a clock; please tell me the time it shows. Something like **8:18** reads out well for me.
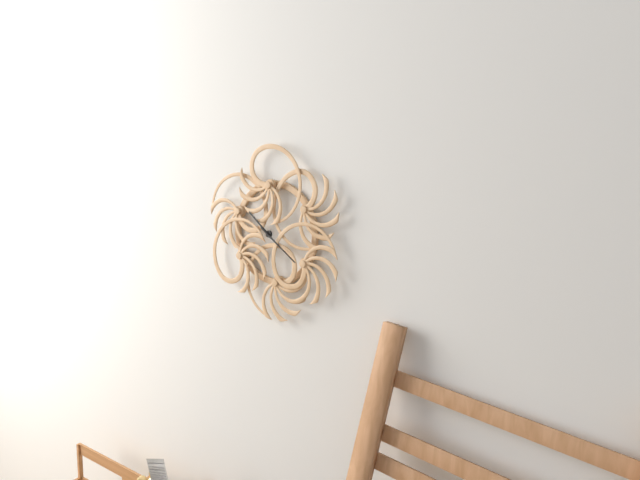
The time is **10:21**
